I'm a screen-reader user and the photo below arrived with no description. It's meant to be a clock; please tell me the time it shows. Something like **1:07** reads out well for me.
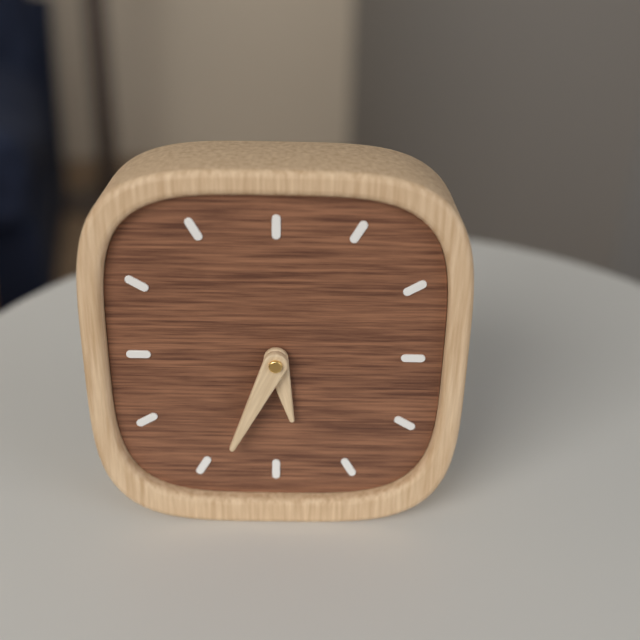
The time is **5:34**
